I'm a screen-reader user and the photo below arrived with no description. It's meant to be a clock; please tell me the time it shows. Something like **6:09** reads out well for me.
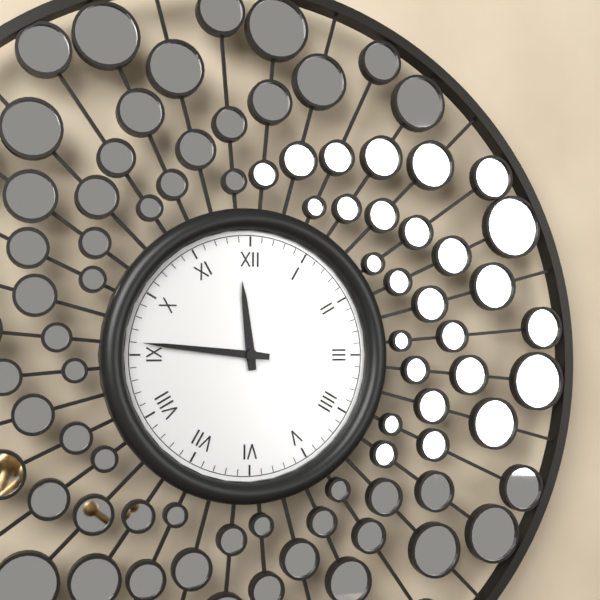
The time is **11:46**
